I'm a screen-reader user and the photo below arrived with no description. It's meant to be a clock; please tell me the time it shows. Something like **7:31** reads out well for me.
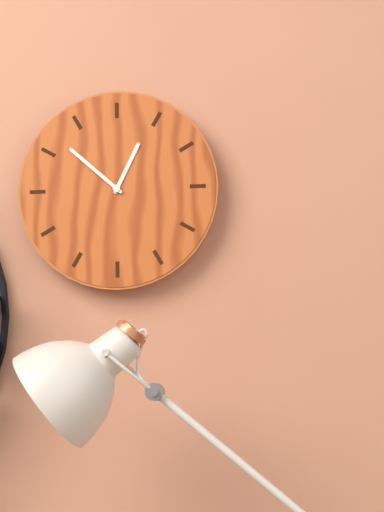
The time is **12:52**
